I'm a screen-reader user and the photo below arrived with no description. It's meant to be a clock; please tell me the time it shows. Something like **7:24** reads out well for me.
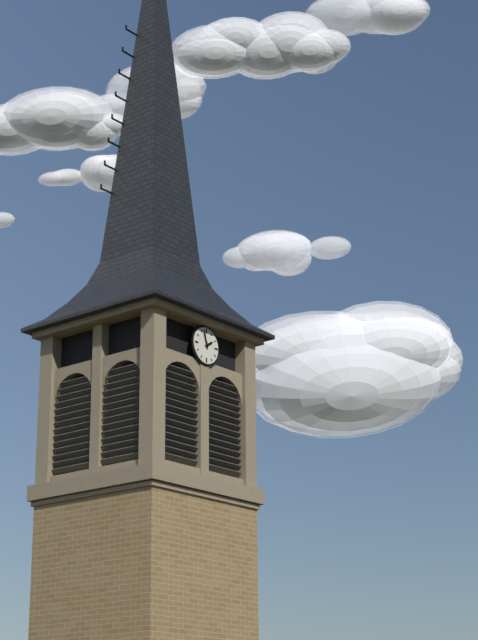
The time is **1:57**
